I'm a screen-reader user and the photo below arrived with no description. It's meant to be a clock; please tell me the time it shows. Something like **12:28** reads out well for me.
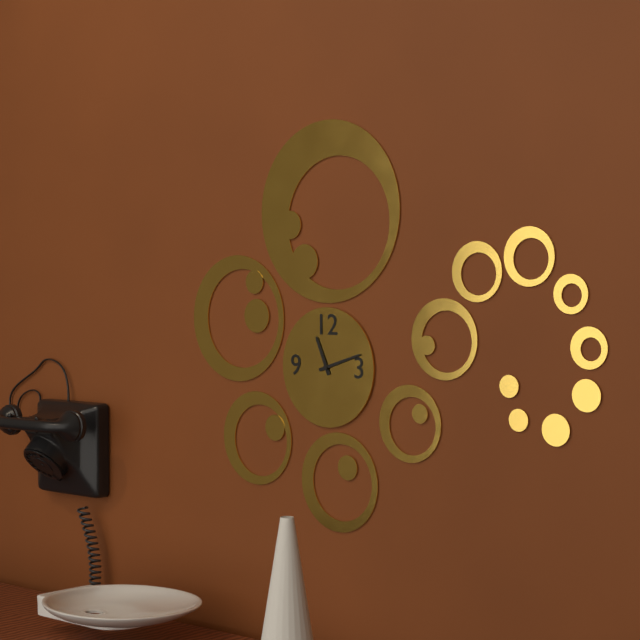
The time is **11:12**
